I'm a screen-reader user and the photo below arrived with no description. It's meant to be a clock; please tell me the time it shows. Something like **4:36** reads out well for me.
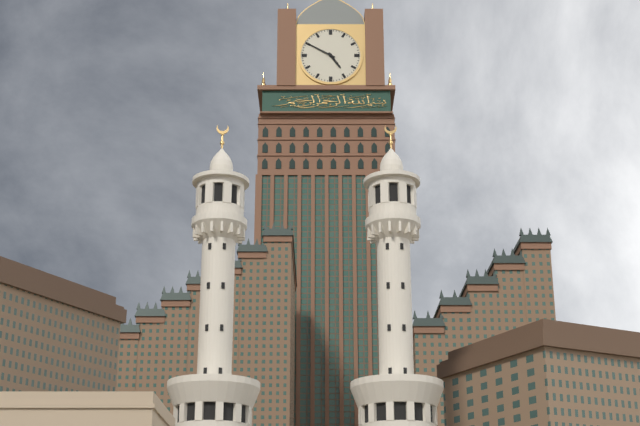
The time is **4:50**
